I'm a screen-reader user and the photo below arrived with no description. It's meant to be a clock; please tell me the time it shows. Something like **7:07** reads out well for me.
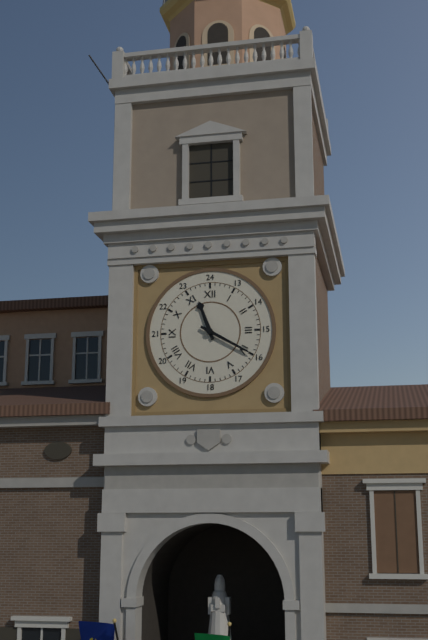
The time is **11:20**
